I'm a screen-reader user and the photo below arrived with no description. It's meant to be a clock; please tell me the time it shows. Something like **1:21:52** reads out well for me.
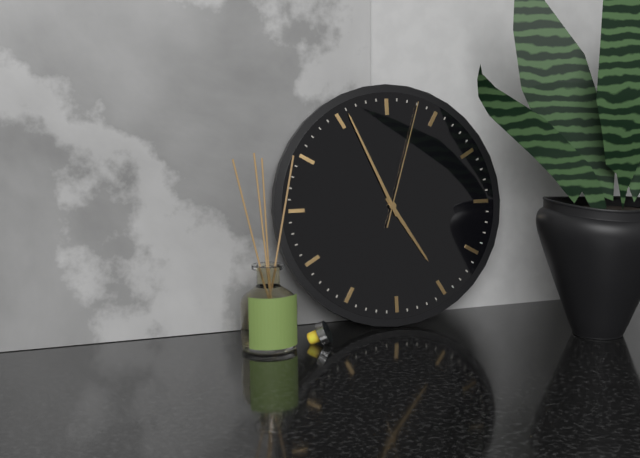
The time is **4:56:03**
